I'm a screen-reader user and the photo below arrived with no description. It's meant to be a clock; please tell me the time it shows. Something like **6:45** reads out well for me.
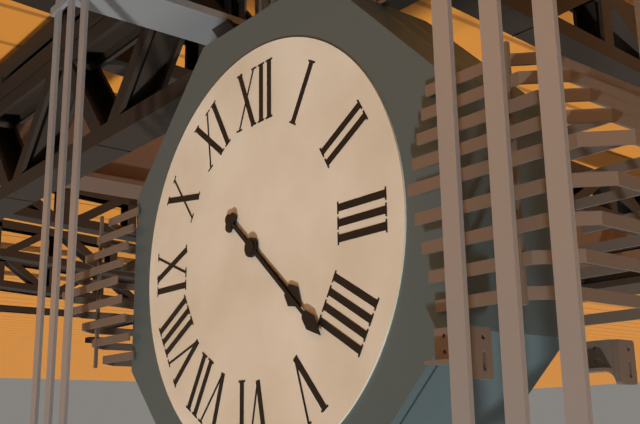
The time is **4:22**
